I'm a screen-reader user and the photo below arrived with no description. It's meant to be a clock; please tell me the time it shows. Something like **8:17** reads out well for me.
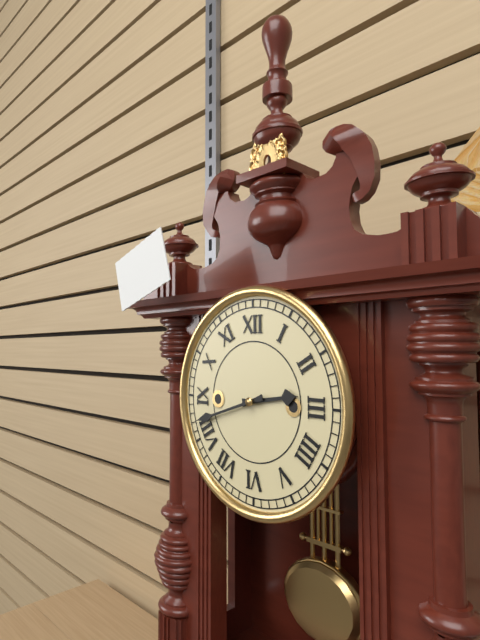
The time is **2:42**
